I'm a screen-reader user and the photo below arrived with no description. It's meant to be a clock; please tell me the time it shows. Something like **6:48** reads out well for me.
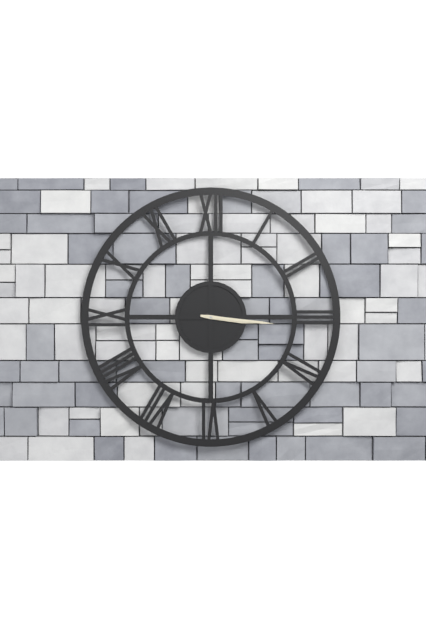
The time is **3:16**
